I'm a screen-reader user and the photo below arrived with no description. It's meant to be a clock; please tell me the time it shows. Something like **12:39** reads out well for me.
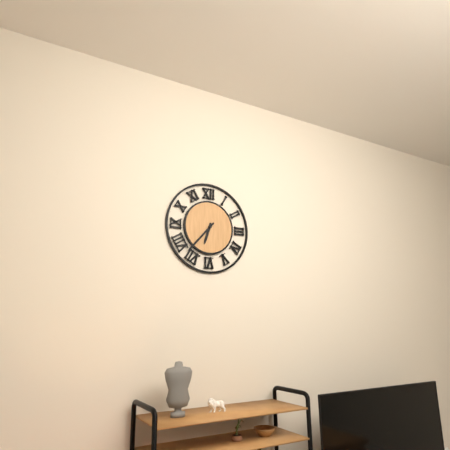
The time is **6:37**
